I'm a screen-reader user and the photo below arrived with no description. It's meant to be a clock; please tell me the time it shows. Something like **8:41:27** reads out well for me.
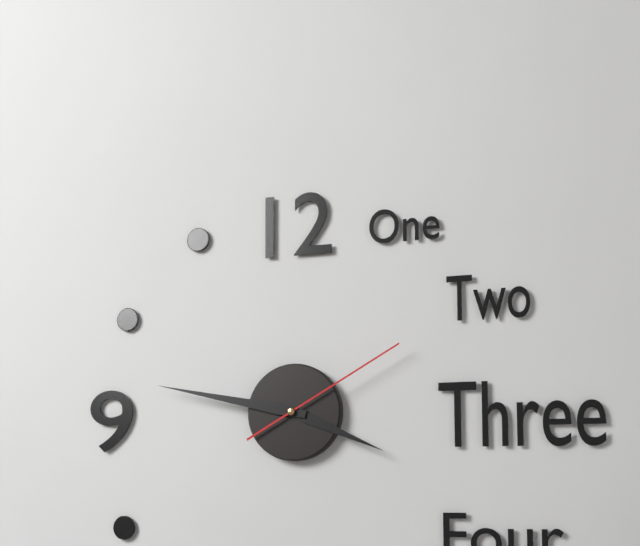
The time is **3:47:10**
